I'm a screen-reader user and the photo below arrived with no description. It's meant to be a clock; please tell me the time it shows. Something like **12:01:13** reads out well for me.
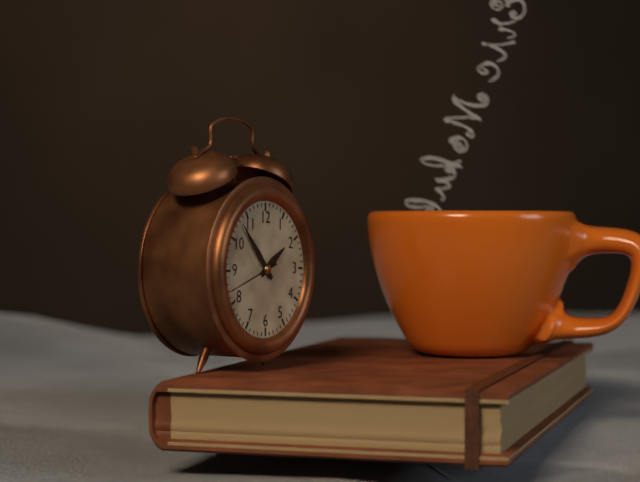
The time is **1:53:42**
